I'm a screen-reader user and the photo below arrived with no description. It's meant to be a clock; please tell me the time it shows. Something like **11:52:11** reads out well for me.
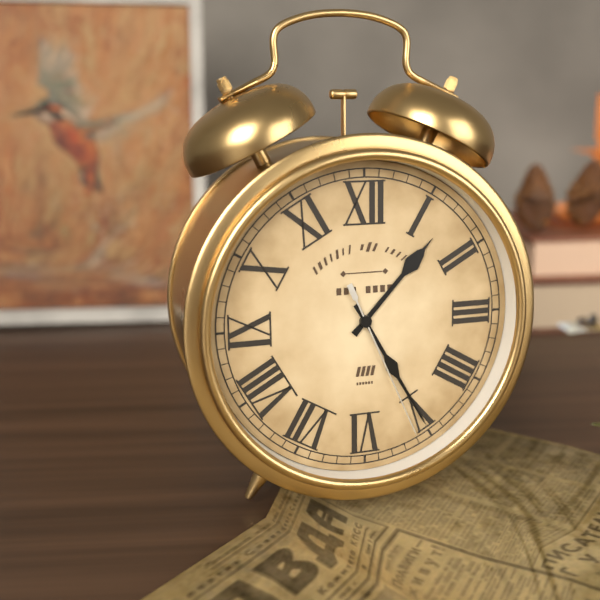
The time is **1:25:26**
